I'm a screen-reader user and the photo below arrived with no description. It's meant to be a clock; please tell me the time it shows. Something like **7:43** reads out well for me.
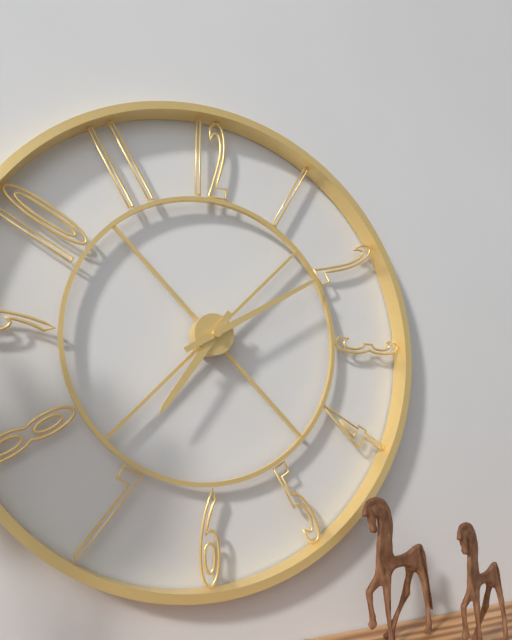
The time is **7:10**
